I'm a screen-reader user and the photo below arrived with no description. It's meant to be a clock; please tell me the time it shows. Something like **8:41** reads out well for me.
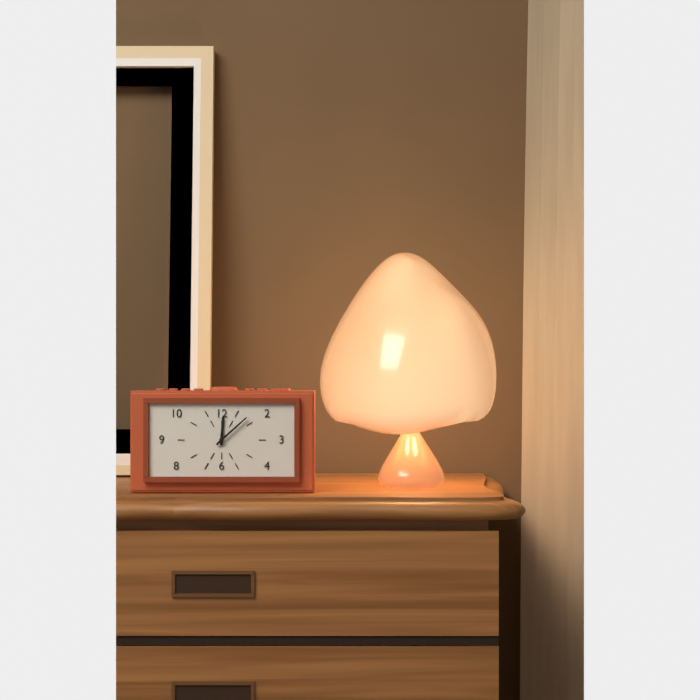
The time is **12:08**
